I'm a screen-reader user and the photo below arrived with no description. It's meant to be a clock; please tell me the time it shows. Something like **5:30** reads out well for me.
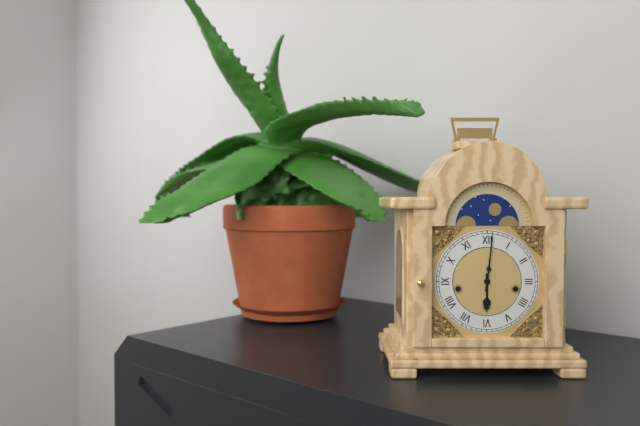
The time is **6:01**
